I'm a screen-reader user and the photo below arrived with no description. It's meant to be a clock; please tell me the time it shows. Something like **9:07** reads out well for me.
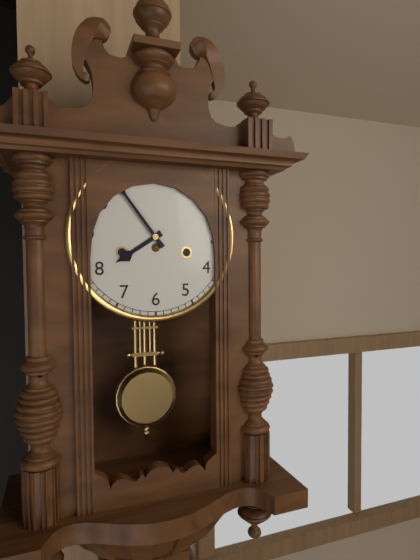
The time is **7:54**
